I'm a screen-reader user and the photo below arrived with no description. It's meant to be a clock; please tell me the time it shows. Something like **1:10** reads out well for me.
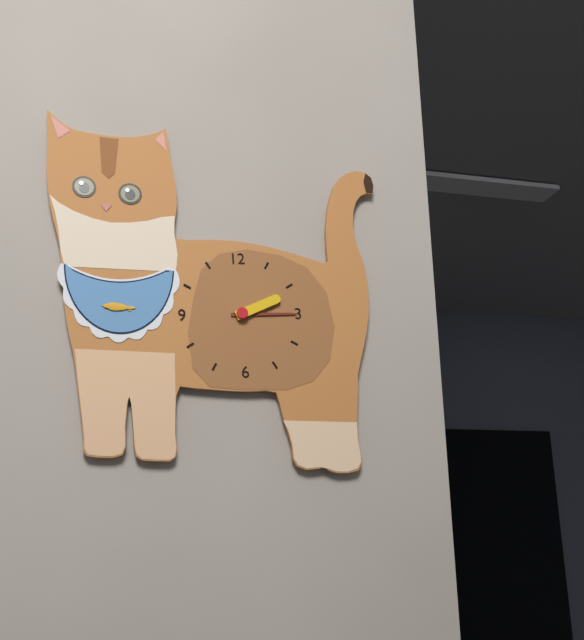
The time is **2:15**
